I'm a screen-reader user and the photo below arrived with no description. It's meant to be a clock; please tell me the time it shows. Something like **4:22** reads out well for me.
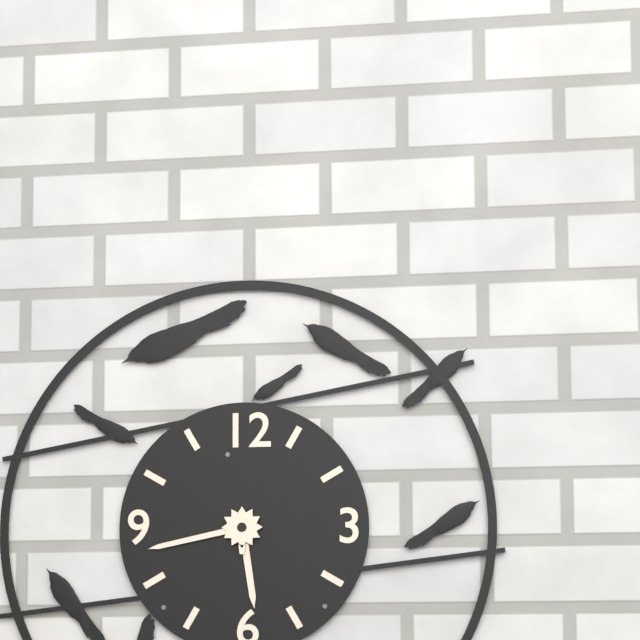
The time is **5:43**
